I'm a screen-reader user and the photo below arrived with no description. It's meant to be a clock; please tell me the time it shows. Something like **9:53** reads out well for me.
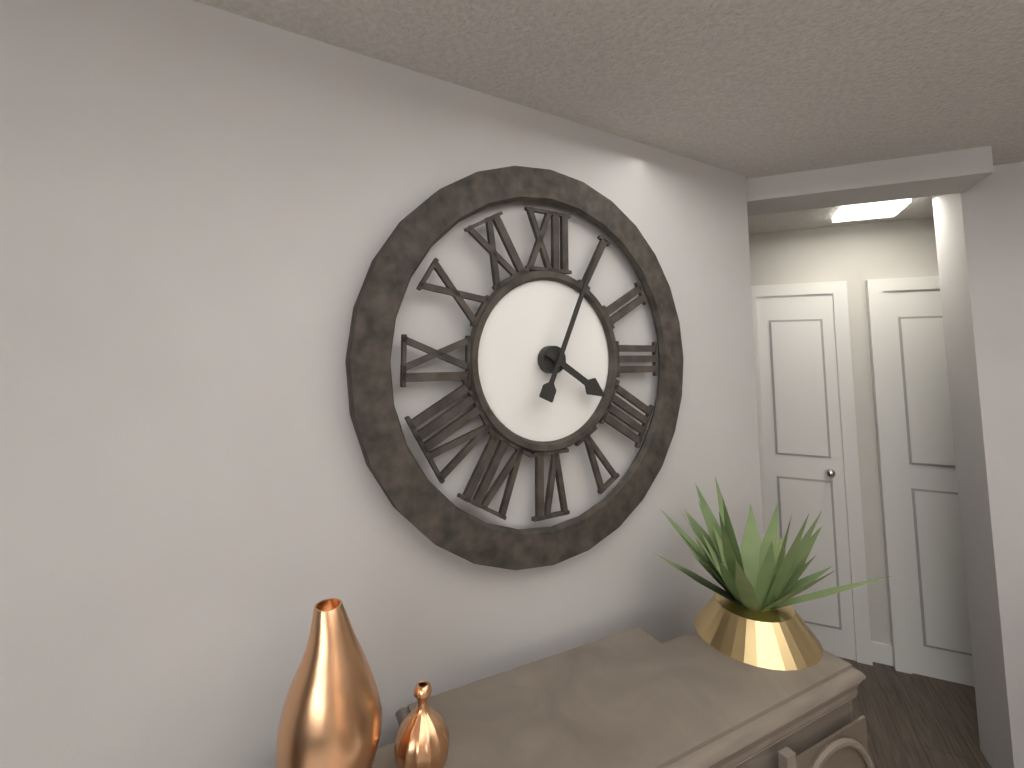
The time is **4:04**
